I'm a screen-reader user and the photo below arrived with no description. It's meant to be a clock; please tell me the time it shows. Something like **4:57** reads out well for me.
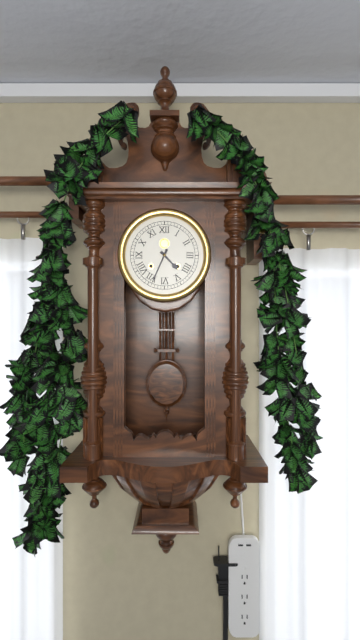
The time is **4:34**
